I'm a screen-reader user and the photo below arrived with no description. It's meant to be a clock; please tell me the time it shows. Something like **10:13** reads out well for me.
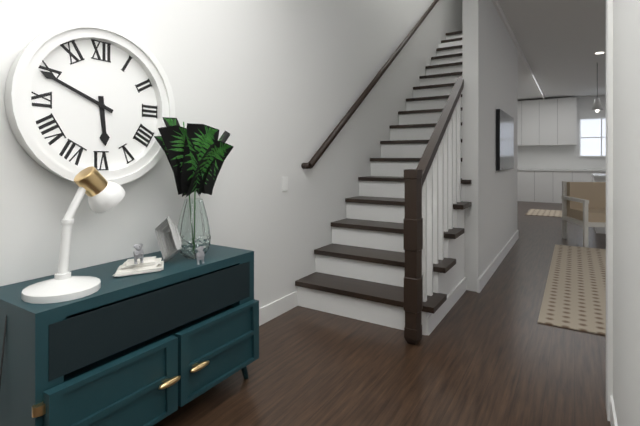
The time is **5:49**
